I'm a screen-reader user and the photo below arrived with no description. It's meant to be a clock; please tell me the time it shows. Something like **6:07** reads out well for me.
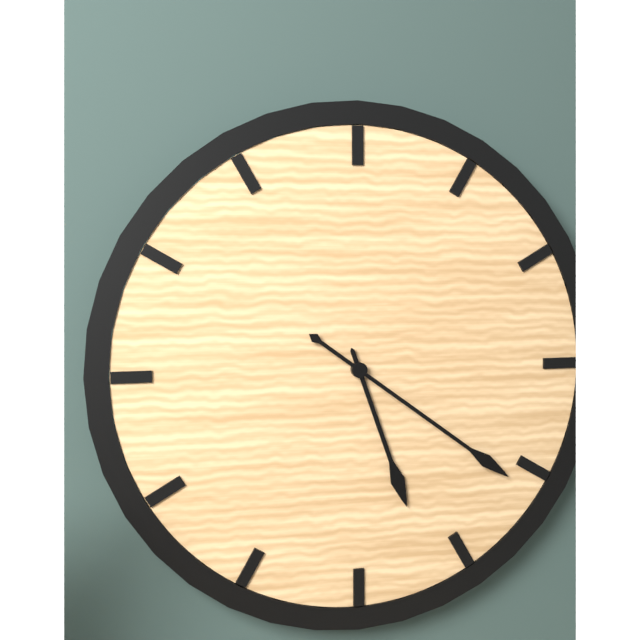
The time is **5:21**
